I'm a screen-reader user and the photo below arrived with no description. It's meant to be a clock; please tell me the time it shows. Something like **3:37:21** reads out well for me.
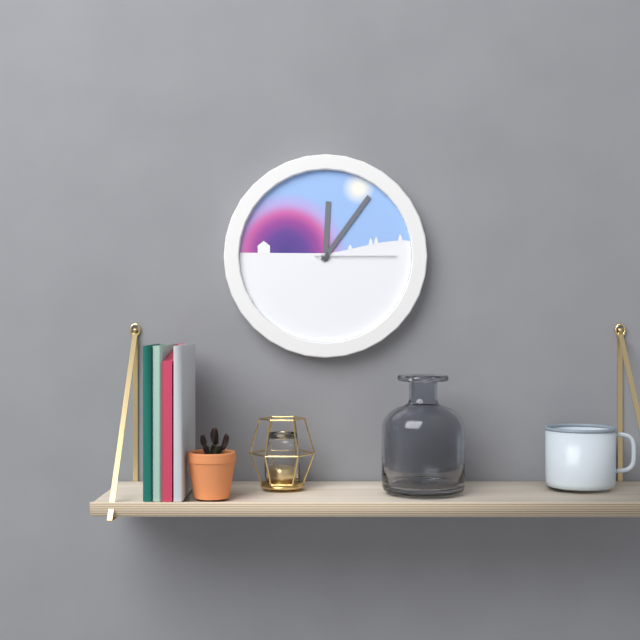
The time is **12:06:15**
